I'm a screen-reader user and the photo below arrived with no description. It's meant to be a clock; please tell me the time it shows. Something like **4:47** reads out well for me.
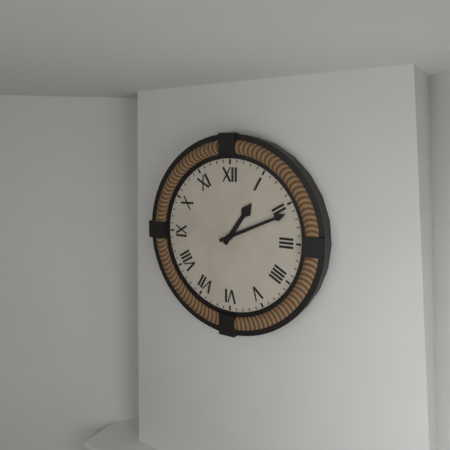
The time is **1:11**
